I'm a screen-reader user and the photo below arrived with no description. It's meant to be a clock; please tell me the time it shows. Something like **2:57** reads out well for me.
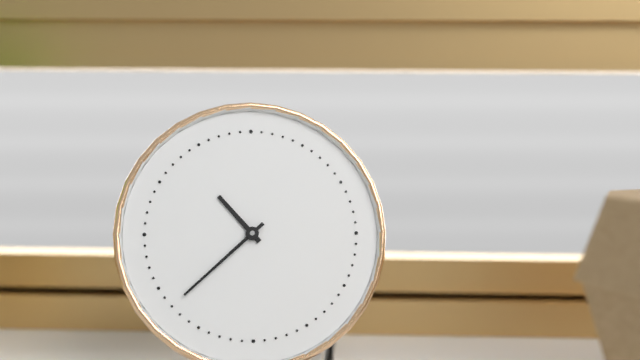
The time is **10:38**
